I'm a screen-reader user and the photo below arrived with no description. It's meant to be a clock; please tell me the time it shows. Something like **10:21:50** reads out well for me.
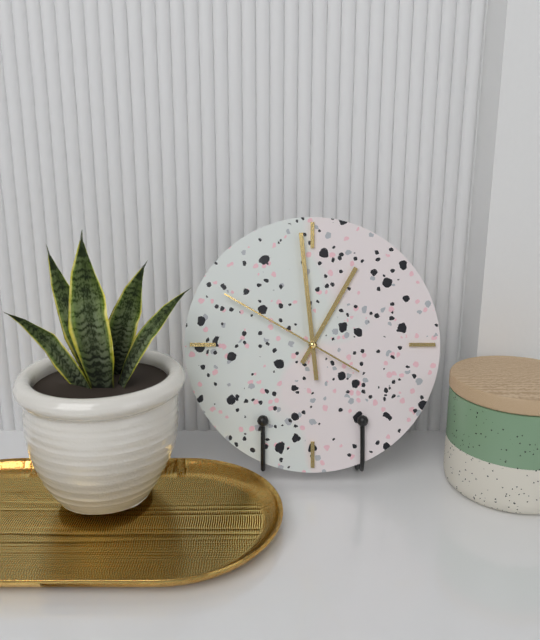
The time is **12:59:50**
